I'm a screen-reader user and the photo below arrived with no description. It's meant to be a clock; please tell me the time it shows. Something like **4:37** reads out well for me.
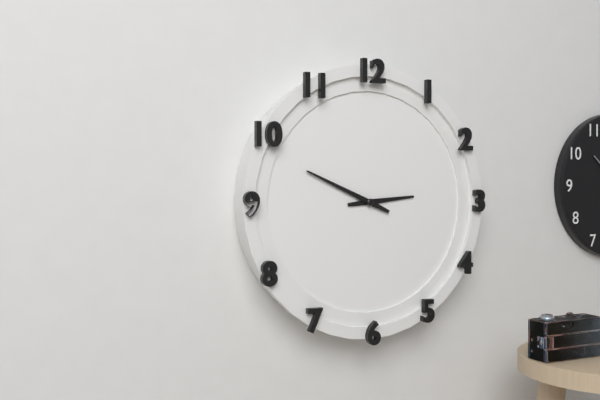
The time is **2:49**
